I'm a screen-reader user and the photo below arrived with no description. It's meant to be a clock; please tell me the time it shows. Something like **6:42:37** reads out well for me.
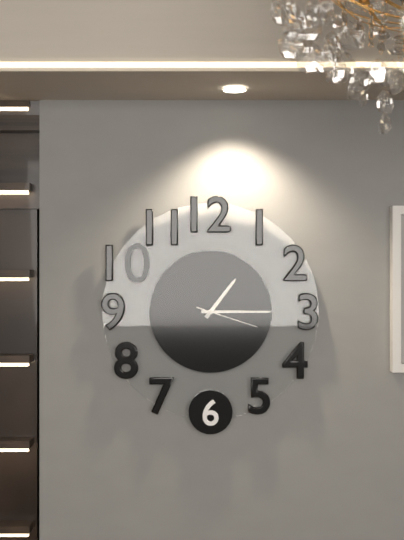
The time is **1:15:18**
